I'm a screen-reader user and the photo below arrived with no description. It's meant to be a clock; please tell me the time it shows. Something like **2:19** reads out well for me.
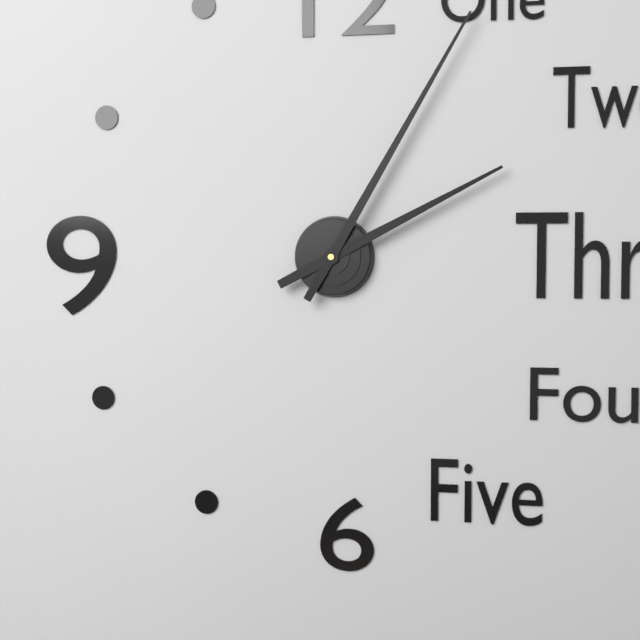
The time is **2:05**
